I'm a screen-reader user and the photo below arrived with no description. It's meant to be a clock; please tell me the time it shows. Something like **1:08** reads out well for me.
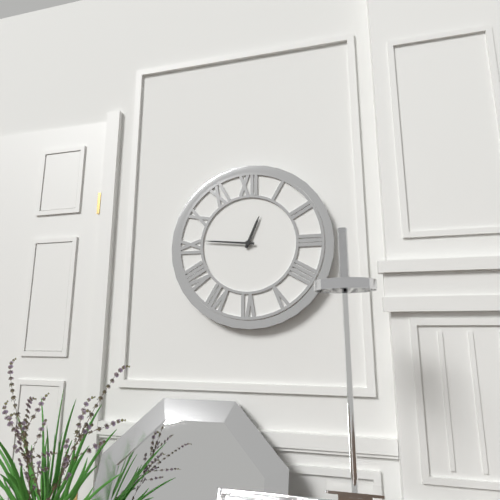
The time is **12:46**
